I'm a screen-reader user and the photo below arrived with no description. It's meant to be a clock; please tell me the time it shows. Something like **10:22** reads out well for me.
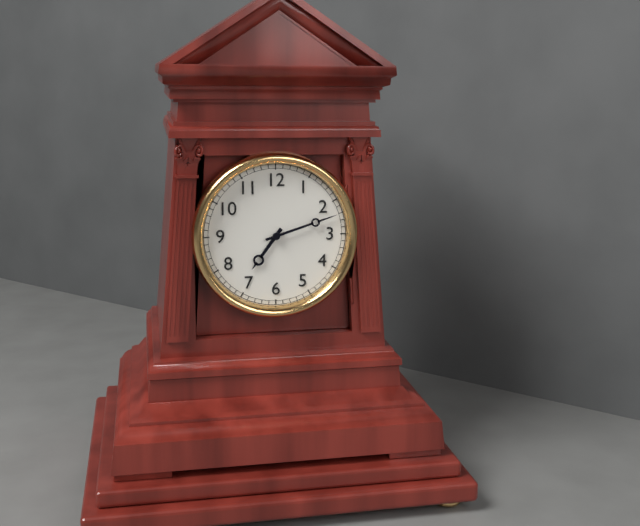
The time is **7:12**
